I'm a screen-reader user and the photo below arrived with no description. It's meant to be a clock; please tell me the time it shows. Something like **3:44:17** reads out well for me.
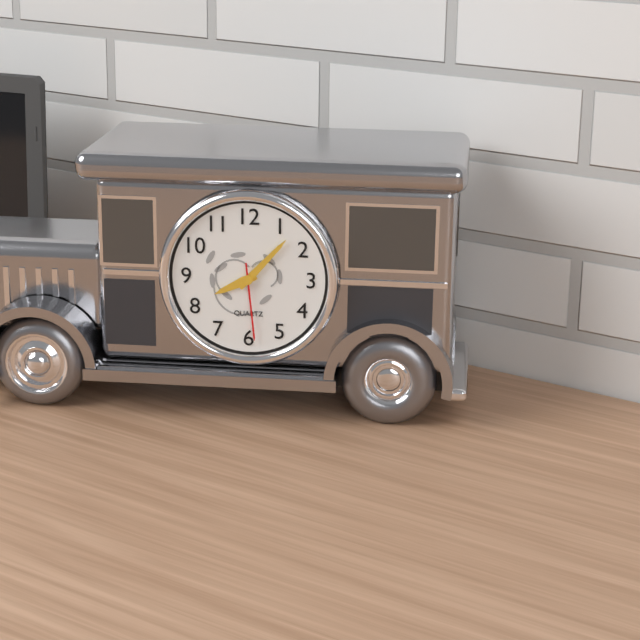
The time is **8:07:29**
